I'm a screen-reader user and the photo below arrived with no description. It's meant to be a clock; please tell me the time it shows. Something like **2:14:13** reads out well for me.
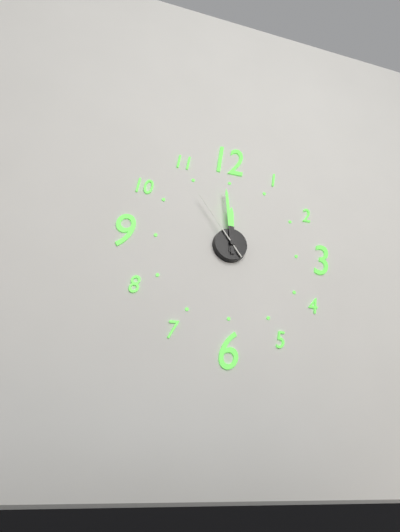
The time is **11:59:54**
